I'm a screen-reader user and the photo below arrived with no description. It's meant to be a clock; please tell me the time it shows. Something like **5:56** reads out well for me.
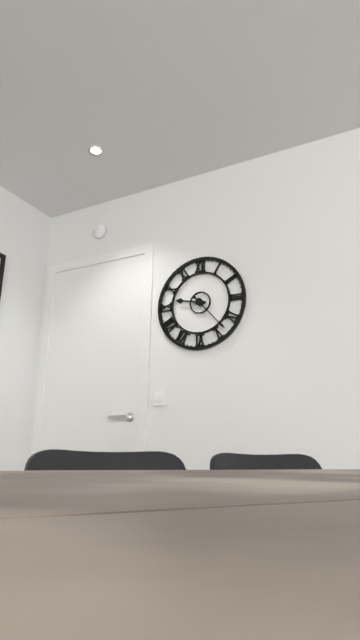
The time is **9:23**
